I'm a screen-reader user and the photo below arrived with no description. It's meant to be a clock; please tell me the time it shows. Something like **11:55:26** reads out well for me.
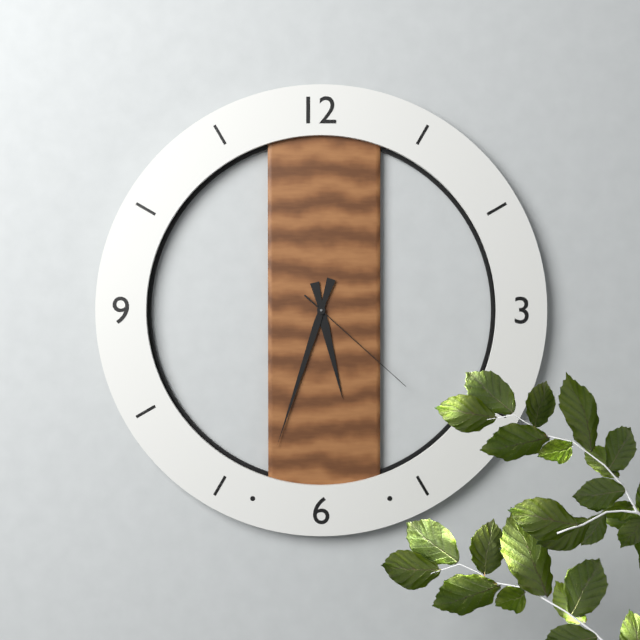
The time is **5:33:22**
